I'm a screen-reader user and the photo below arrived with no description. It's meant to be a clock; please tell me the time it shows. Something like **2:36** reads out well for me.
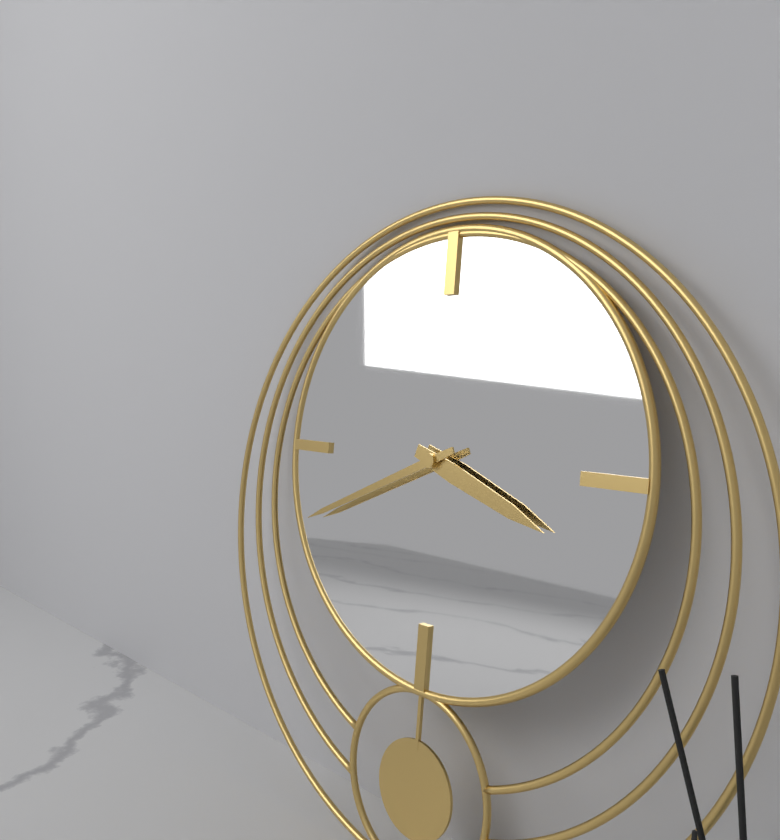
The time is **3:41**
